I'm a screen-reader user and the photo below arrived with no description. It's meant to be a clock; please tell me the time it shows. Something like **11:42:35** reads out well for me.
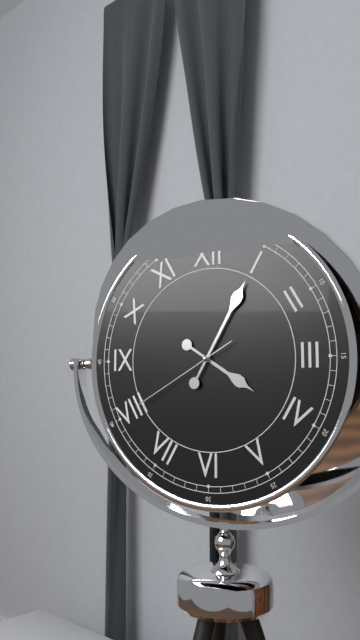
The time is **4:05:40**
